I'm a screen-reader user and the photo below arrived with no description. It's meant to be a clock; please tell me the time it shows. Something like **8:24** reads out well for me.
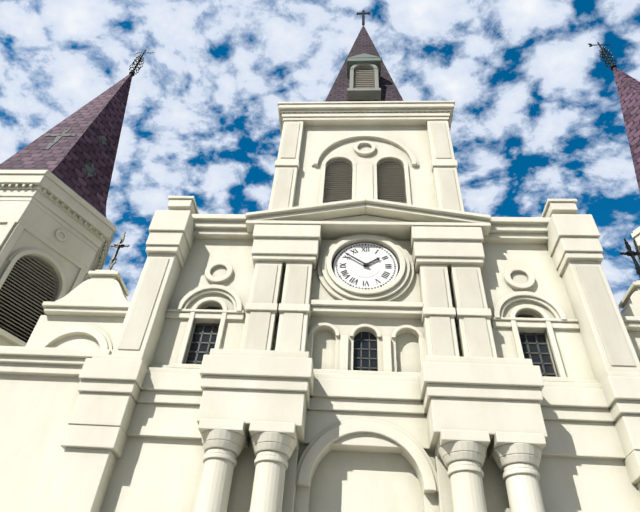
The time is **1:51**
